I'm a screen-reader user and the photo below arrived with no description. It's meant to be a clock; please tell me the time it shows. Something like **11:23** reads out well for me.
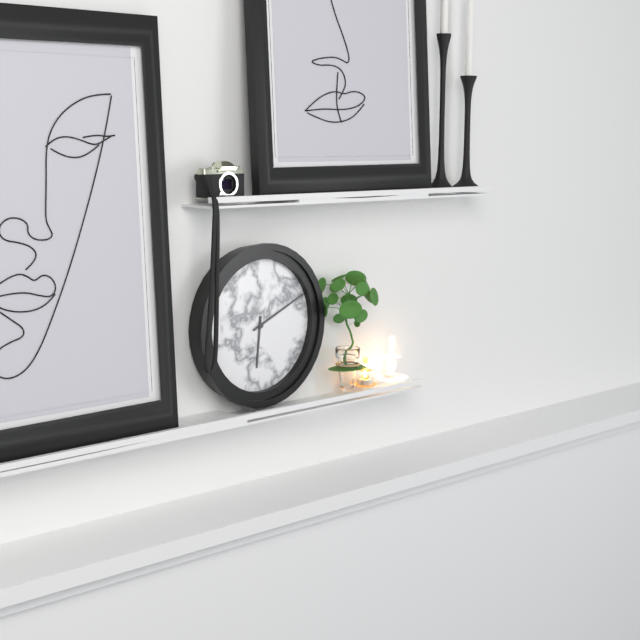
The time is **6:11**
